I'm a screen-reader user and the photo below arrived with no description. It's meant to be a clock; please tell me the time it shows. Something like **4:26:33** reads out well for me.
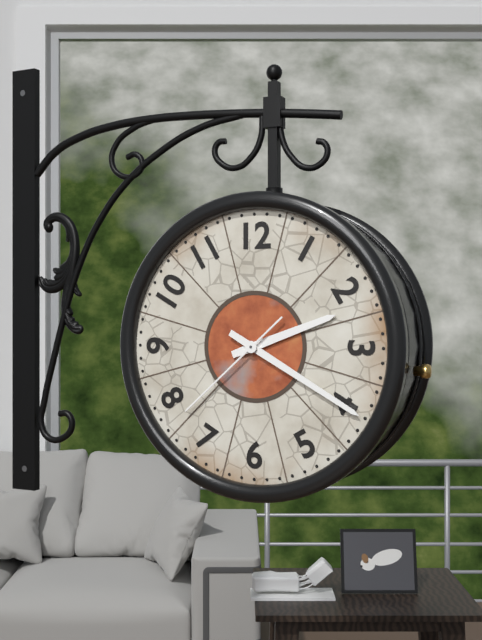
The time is **2:20:38**
